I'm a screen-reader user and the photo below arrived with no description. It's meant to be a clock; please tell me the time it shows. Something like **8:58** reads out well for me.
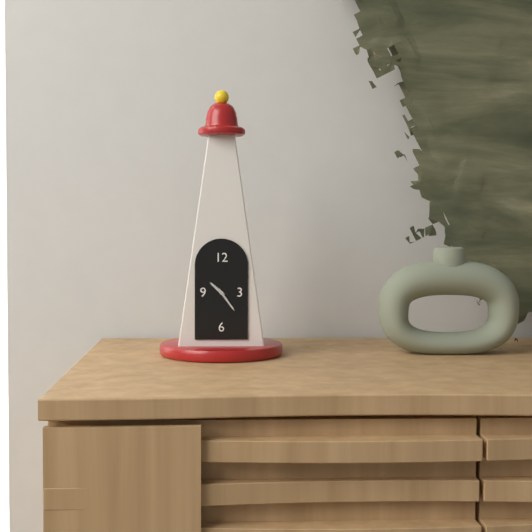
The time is **10:24**
